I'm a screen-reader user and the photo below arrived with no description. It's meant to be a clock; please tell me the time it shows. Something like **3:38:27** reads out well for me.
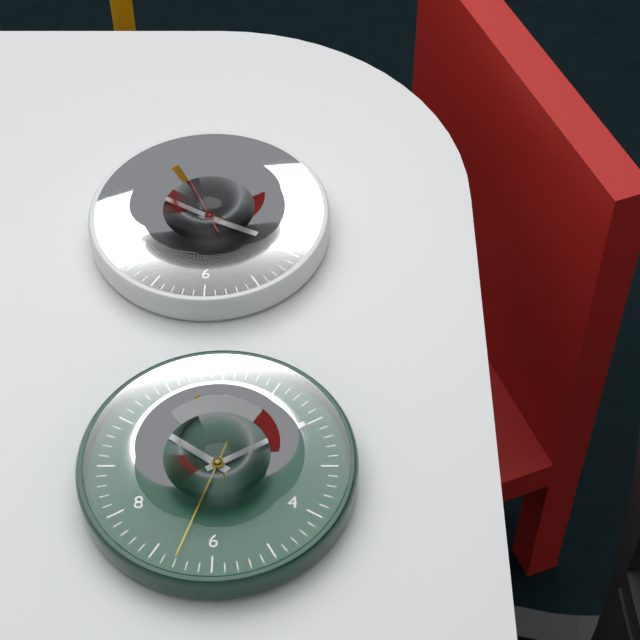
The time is **3:50:56**
